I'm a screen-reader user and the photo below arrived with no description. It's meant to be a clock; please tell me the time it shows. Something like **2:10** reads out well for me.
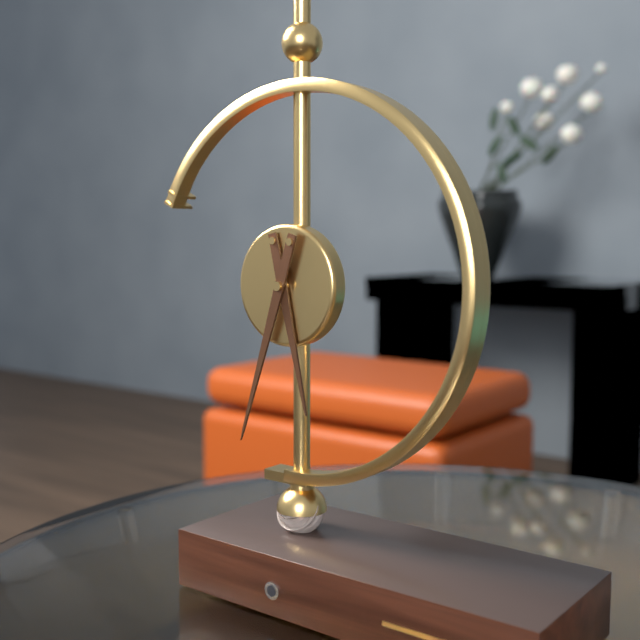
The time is **5:33**
